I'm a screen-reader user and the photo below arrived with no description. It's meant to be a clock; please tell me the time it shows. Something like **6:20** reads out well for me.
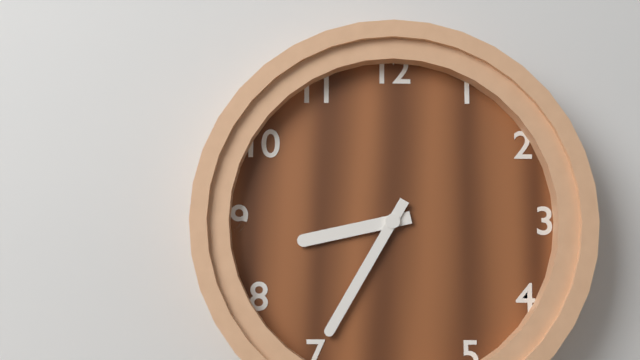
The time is **8:35**
